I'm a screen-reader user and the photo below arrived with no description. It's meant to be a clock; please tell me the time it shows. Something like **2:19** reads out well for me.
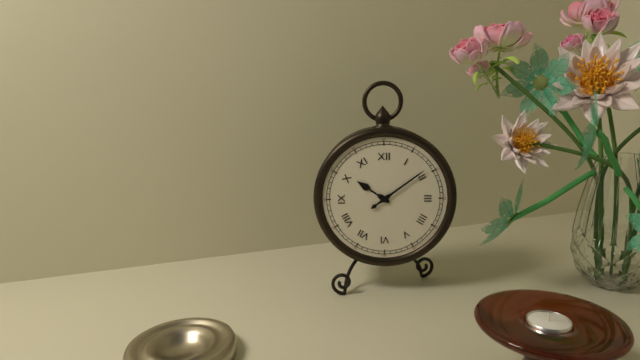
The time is **10:09**
